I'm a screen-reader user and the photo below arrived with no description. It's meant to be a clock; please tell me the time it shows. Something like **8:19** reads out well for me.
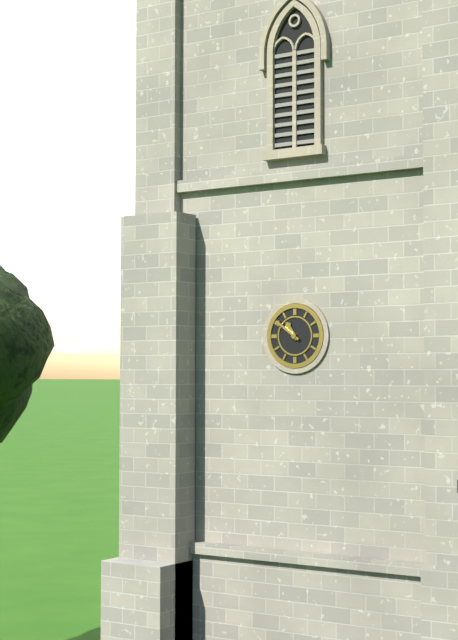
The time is **10:51**
